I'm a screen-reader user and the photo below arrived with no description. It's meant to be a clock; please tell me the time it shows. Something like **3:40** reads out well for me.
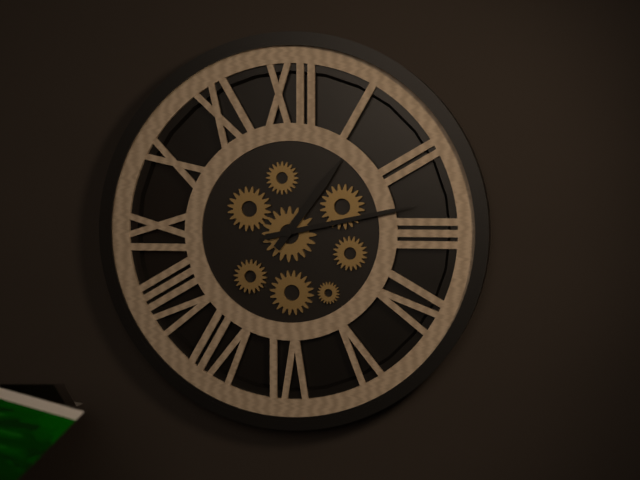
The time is **1:13**
